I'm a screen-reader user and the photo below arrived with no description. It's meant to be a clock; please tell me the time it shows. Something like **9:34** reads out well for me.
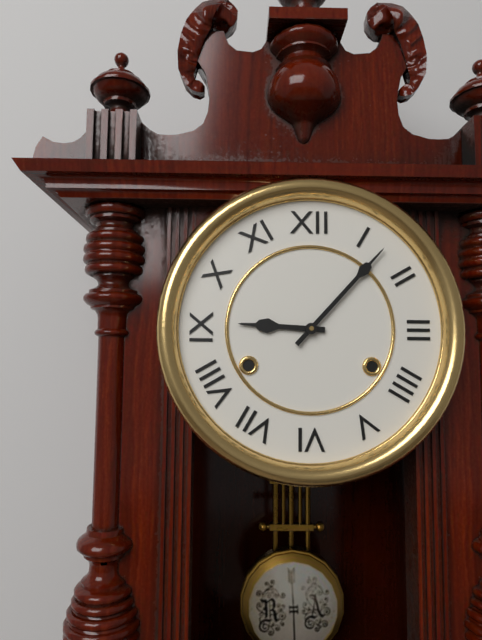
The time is **9:07**
